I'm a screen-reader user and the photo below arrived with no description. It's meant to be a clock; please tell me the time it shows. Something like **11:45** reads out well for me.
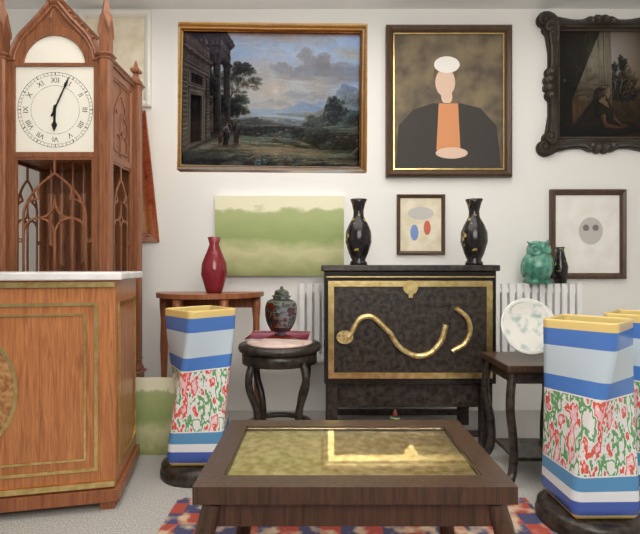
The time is **6:04**
